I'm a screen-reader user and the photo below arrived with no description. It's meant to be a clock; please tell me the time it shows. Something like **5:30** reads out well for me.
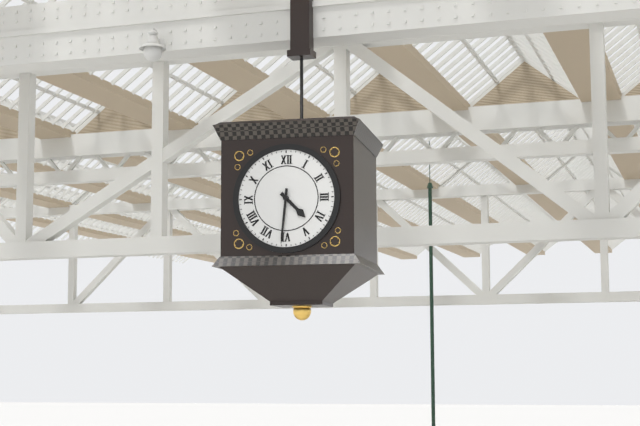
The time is **4:31**
